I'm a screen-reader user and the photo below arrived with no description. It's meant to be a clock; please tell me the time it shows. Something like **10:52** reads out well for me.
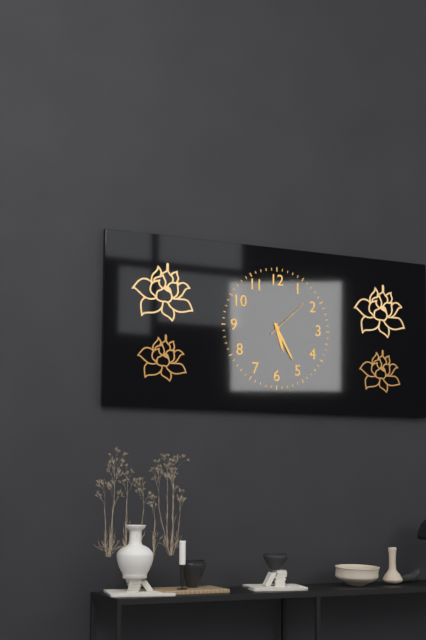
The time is **5:25**
